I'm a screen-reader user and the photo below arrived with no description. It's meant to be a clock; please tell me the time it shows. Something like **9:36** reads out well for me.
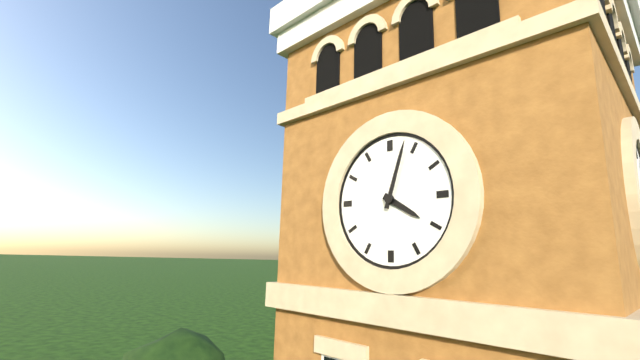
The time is **4:03**
